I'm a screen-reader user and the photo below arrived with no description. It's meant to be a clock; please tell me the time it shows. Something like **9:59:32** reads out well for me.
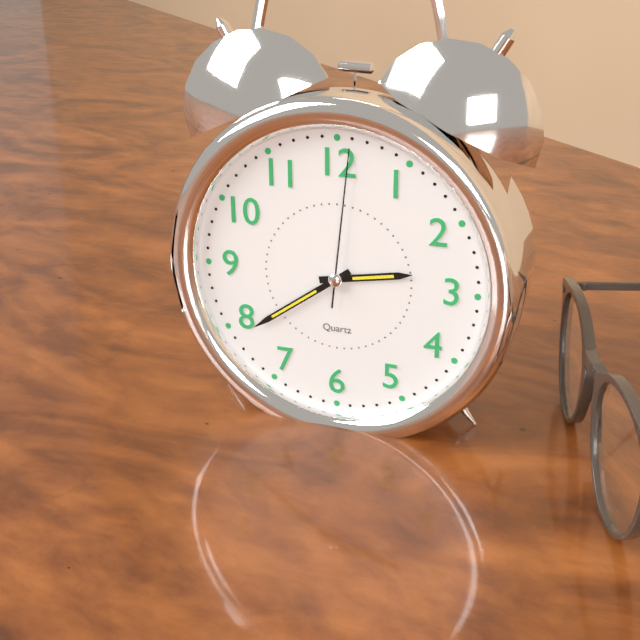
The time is **2:39:01**
